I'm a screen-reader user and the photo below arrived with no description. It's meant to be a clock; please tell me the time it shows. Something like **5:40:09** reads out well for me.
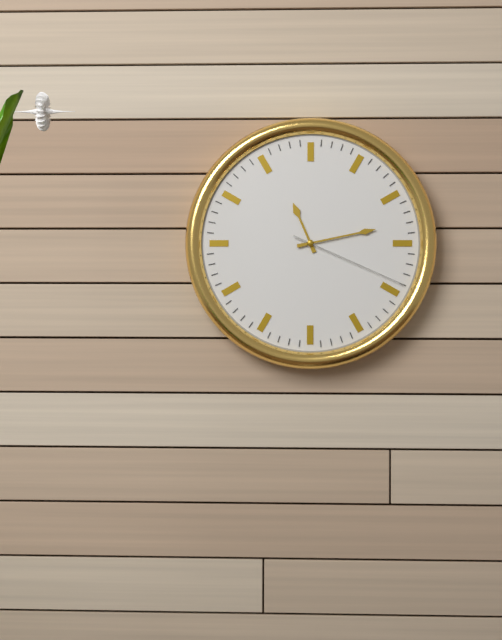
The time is **11:13:19**
